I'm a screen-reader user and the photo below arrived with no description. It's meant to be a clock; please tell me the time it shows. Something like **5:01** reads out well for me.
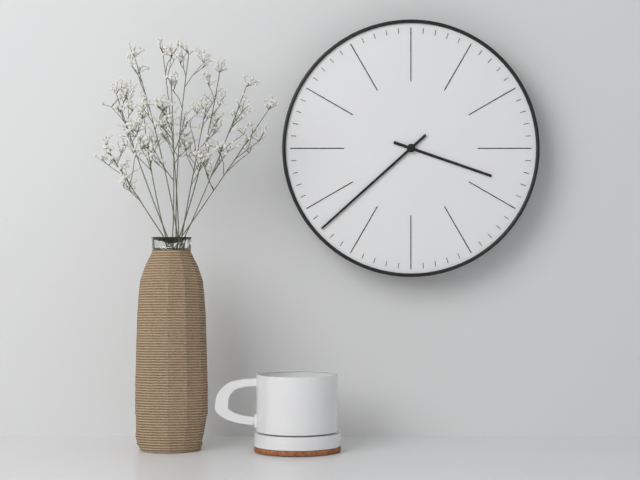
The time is **3:38**
